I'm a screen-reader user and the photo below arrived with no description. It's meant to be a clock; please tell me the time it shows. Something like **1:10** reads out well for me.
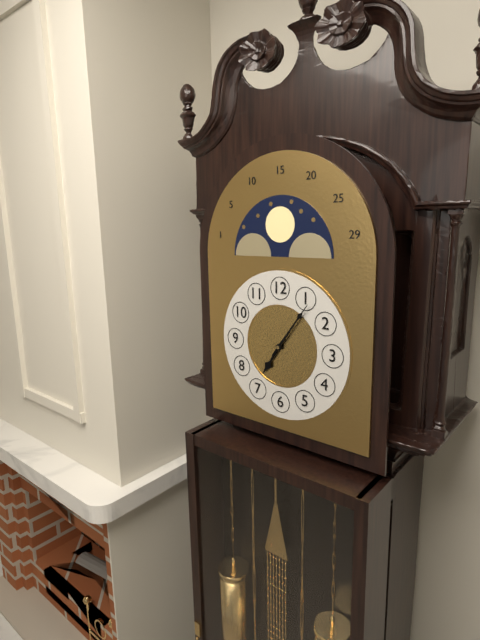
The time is **7:06**
